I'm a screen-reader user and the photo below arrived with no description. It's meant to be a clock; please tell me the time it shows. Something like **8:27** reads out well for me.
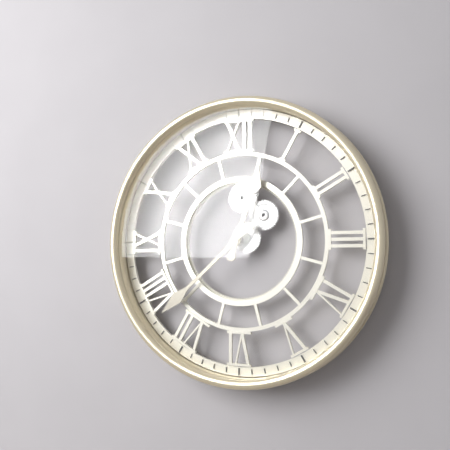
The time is **12:38**
